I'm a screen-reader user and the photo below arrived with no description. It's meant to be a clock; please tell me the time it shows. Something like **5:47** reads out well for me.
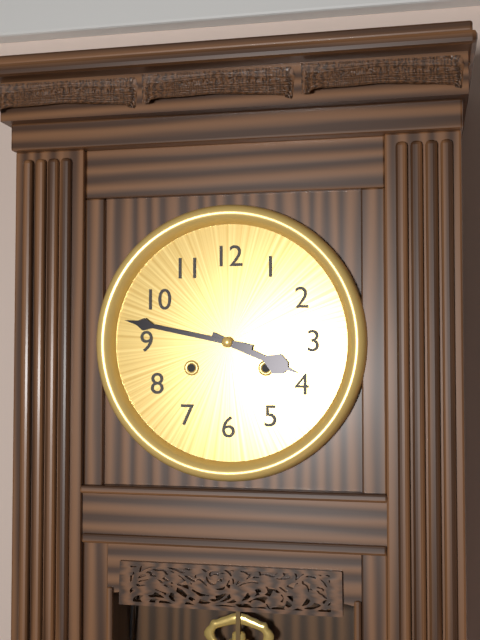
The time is **3:47**
